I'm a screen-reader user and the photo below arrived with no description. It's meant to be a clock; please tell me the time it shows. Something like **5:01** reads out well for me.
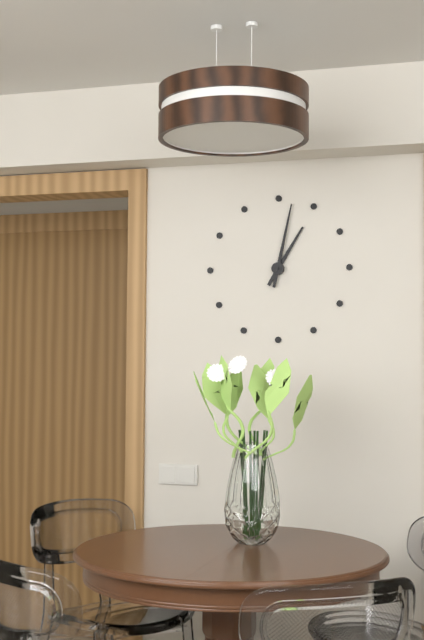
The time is **1:02**
